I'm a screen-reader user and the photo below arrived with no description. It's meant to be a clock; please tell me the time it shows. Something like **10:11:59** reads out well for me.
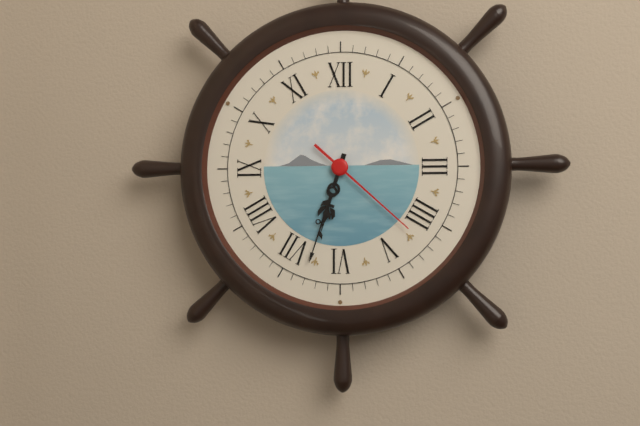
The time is **6:33:22**
